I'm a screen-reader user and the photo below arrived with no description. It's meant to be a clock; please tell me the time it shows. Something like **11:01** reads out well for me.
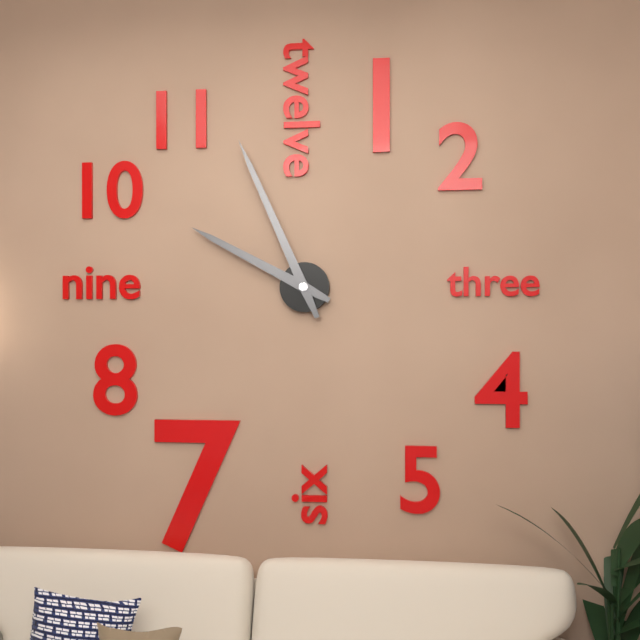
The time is **9:56**
